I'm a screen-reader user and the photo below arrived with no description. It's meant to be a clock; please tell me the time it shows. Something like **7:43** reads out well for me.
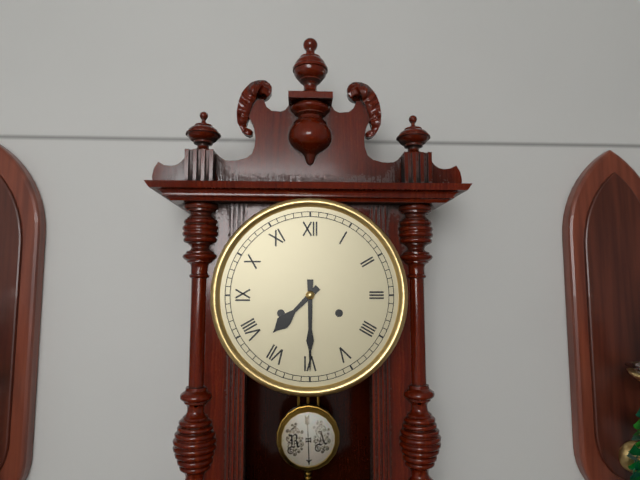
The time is **7:30**
